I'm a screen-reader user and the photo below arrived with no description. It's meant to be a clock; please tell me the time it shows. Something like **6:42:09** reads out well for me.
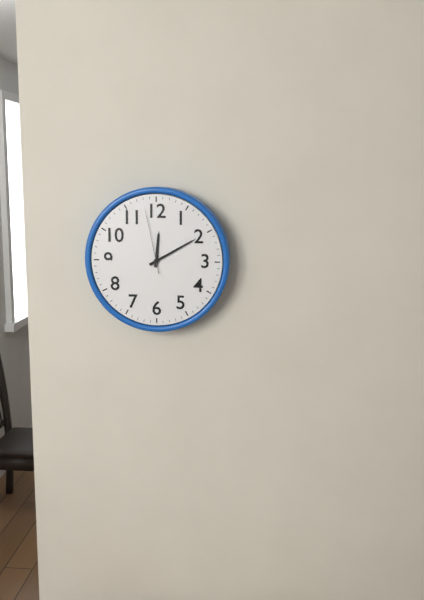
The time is **12:10:58**
